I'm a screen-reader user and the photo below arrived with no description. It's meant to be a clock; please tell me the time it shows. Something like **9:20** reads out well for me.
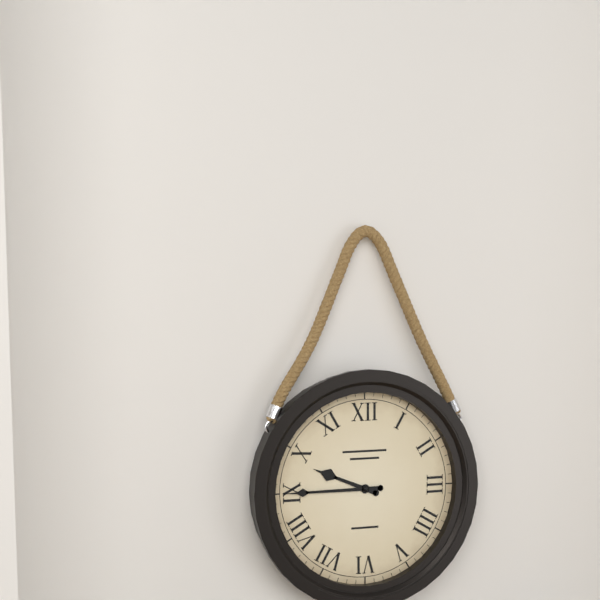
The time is **9:45**
